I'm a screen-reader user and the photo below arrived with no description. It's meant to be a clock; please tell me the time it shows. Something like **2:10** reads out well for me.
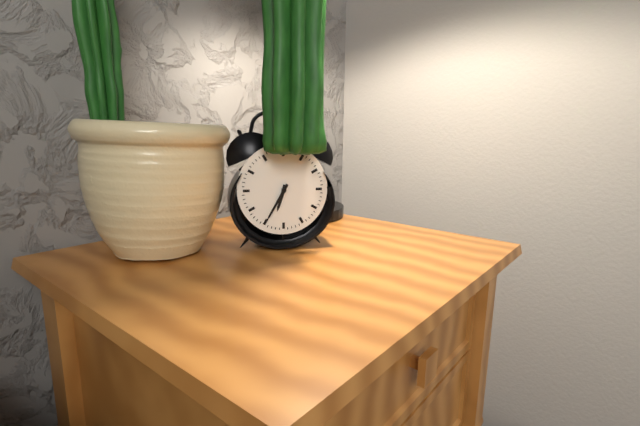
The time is **6:35**
